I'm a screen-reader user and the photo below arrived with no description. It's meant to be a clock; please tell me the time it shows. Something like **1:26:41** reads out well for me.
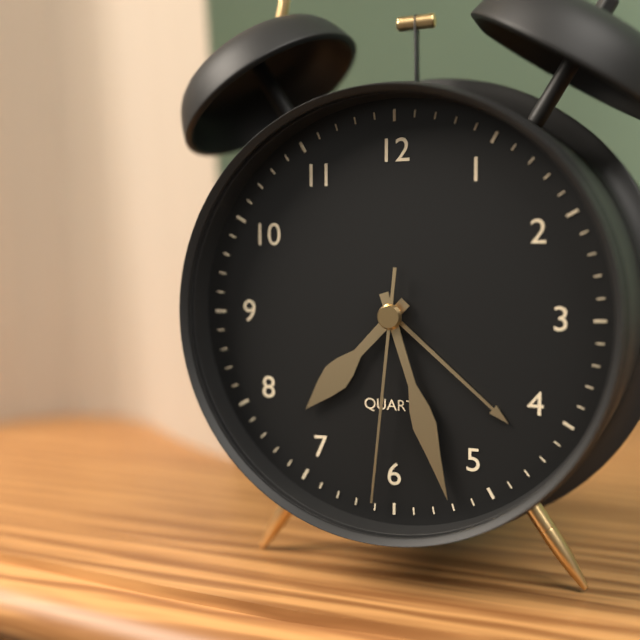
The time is **7:27:31**
